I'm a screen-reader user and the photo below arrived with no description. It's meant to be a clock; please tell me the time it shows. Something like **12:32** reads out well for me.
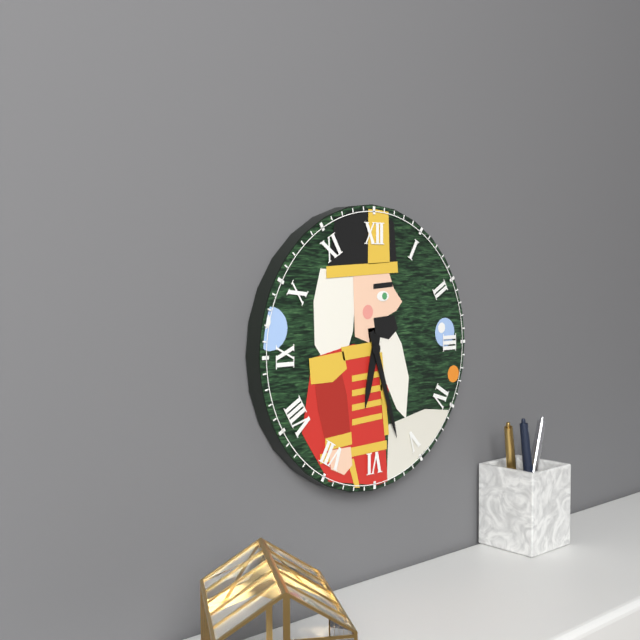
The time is **6:27**
